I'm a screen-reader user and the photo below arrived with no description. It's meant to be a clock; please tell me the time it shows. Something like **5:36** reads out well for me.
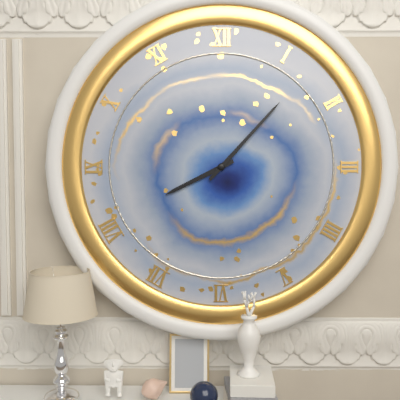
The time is **8:07**
